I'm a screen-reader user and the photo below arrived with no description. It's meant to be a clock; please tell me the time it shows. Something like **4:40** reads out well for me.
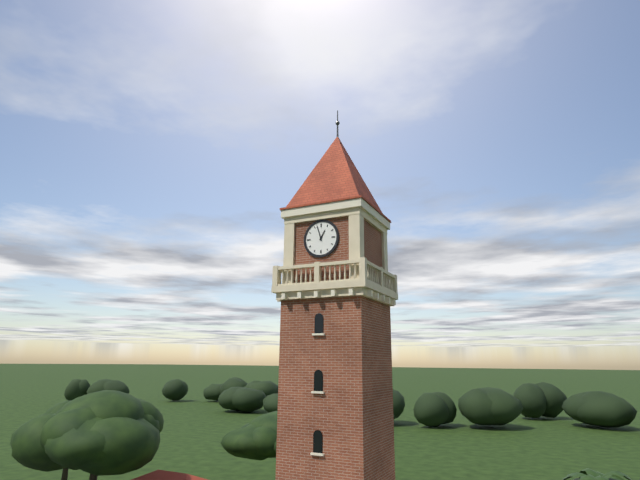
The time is **12:57**
